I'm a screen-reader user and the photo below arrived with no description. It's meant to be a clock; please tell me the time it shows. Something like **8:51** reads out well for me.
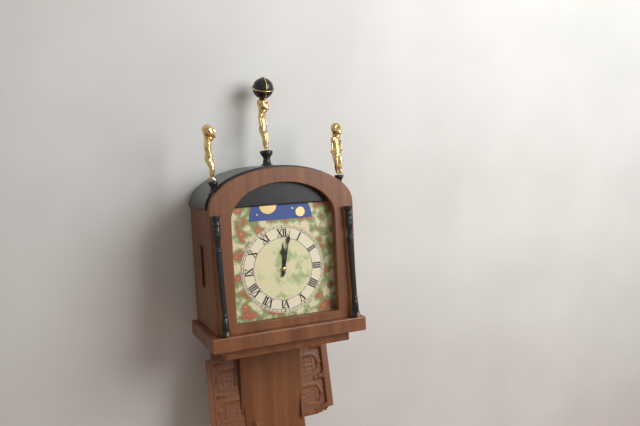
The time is **12:02**
